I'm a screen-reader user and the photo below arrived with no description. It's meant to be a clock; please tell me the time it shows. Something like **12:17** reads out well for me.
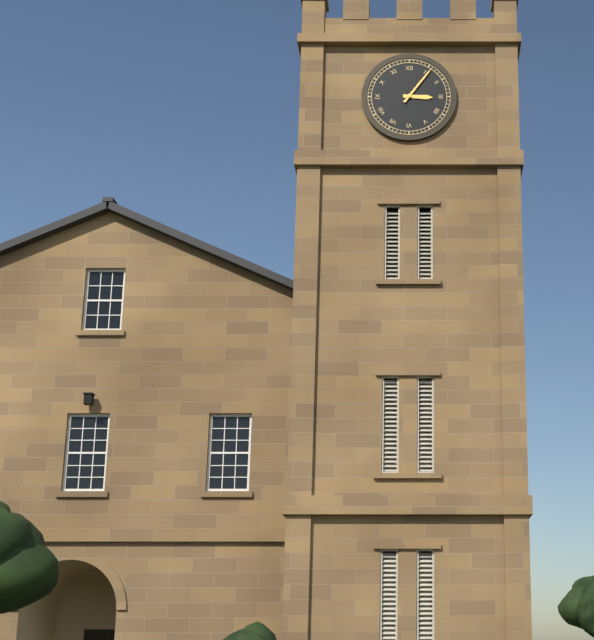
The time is **3:06**
